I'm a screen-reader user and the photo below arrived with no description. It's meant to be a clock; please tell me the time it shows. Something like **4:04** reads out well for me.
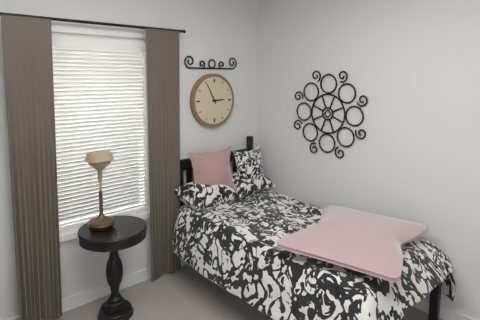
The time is **2:55**
